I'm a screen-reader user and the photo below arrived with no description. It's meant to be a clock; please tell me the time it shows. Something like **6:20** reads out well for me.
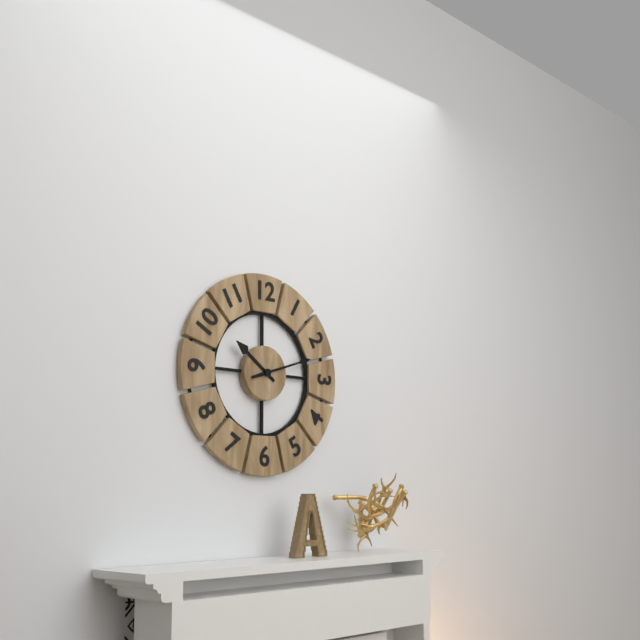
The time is **10:12**
